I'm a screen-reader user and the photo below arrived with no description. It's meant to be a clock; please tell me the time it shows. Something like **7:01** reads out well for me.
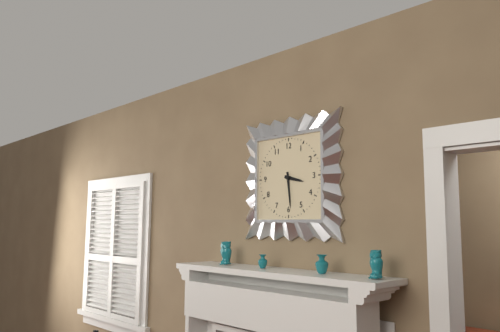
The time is **3:29**
